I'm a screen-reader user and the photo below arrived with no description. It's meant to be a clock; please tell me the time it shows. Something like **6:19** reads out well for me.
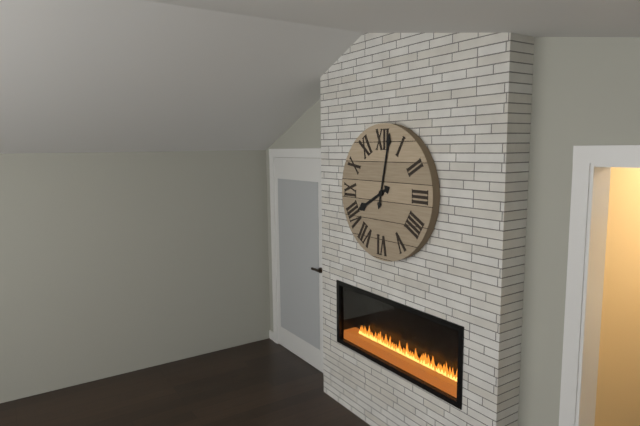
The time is **8:02**
